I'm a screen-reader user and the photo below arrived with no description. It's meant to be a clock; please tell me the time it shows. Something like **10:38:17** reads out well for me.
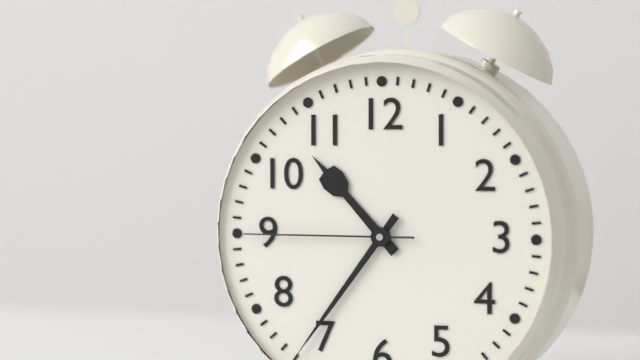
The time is **10:36:45**
